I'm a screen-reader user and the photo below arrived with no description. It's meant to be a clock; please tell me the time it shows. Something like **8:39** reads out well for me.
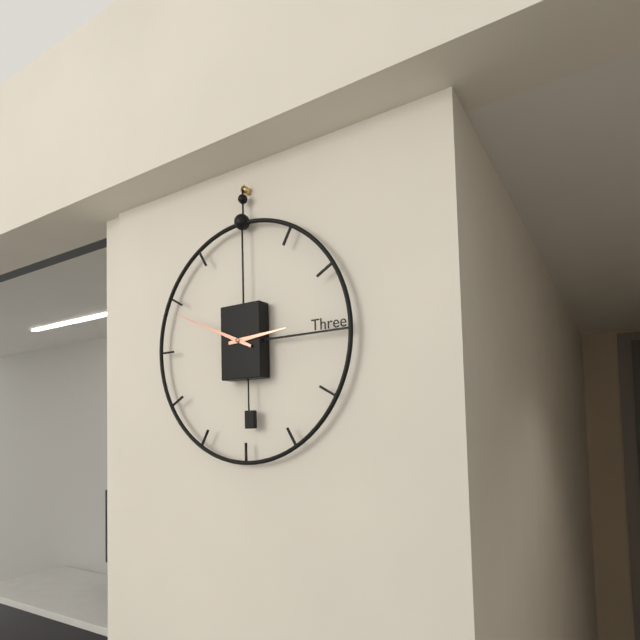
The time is **2:49**
